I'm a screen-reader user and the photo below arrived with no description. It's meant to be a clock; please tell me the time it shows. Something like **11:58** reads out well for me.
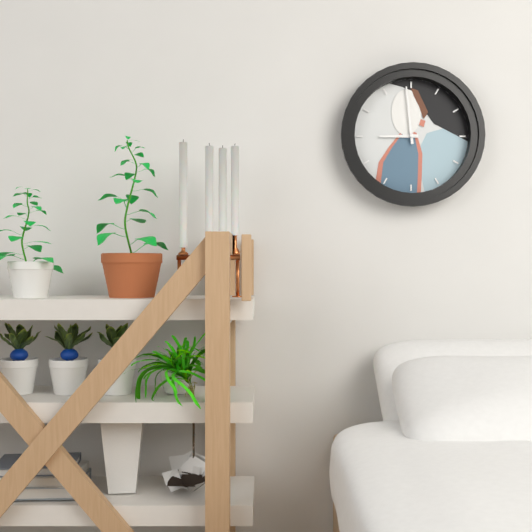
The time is **8:59**
